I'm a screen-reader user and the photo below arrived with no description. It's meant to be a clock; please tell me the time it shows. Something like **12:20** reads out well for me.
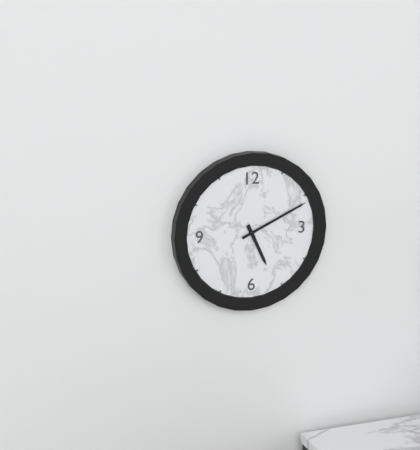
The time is **5:11**
